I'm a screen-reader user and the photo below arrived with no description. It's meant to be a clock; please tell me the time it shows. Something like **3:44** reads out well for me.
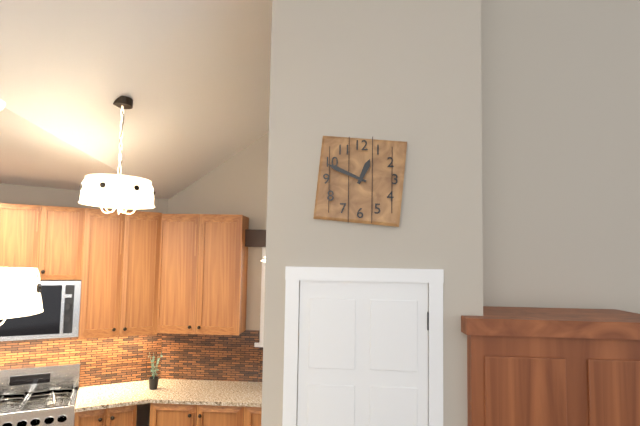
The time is **12:49**
